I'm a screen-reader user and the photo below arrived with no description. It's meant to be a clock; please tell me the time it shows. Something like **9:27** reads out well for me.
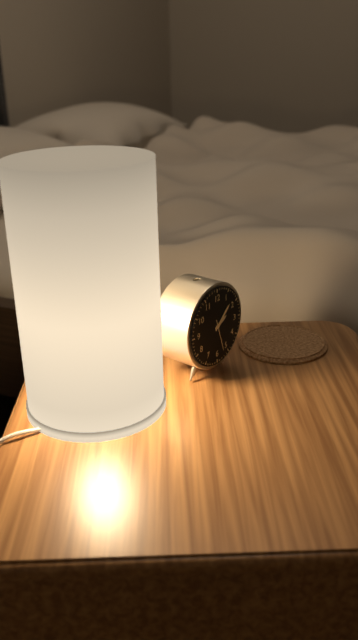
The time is **2:08**
